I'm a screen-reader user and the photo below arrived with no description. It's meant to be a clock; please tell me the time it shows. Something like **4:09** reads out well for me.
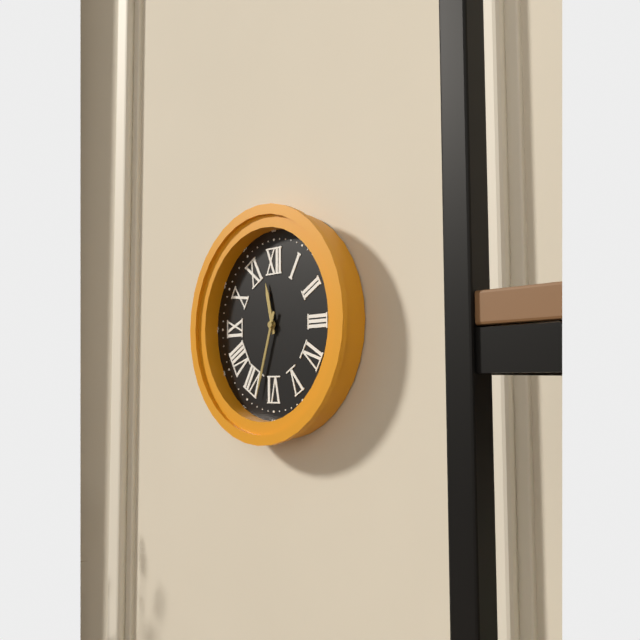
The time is **11:33**
